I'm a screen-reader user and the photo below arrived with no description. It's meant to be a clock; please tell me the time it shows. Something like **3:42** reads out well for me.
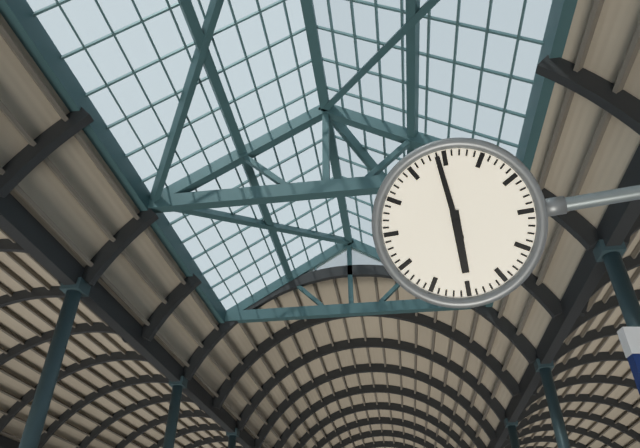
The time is **5:59**
